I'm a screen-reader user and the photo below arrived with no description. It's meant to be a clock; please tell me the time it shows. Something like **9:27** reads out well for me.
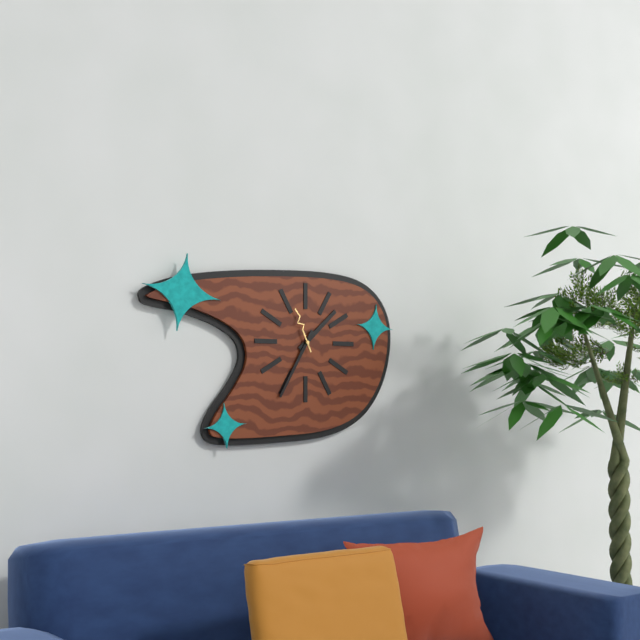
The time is **1:35**
